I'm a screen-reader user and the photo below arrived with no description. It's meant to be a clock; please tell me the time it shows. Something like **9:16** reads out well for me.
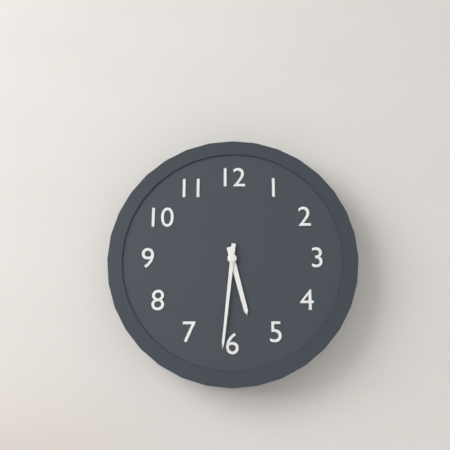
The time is **5:31**
